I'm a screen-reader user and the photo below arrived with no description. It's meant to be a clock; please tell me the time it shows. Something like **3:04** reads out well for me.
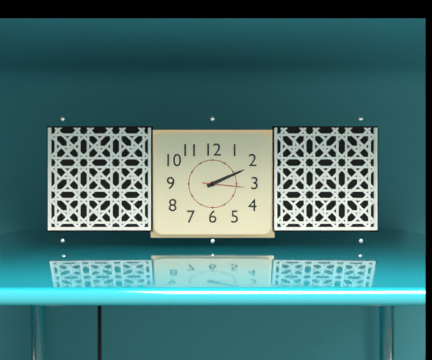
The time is **2:11**
